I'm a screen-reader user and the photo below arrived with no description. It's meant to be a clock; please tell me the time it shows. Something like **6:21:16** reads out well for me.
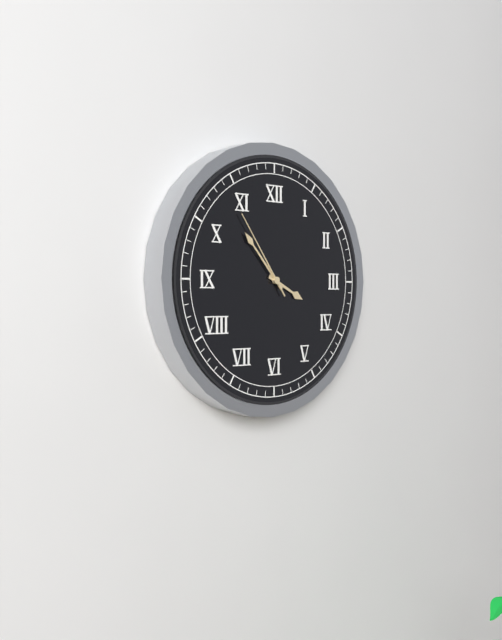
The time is **3:53:54**
